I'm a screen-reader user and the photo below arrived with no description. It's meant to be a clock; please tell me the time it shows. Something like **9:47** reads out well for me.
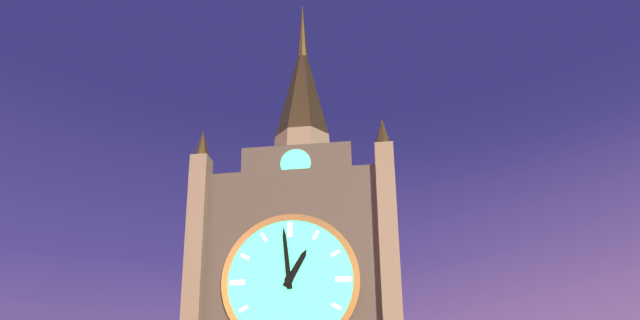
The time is **12:59**
